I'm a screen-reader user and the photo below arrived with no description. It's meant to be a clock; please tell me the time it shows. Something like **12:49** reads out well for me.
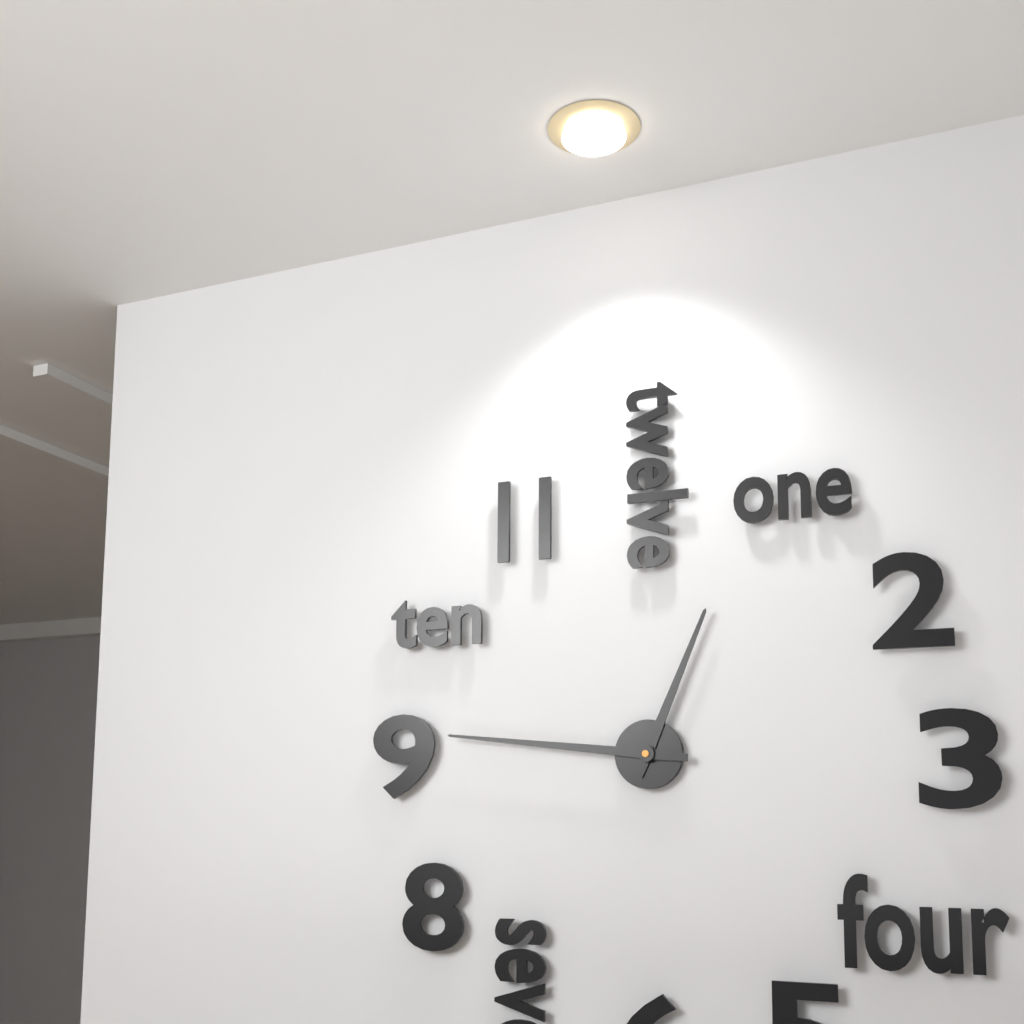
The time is **12:46**
